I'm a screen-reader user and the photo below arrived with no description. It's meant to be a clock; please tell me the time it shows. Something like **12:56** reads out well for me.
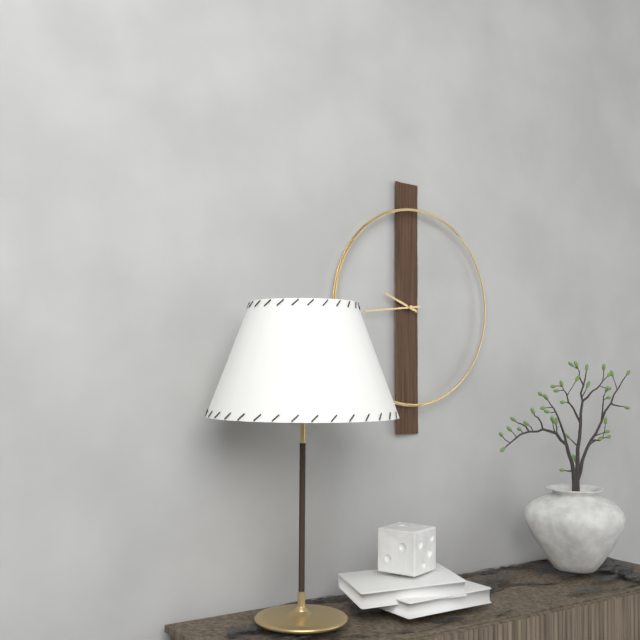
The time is **9:44**
